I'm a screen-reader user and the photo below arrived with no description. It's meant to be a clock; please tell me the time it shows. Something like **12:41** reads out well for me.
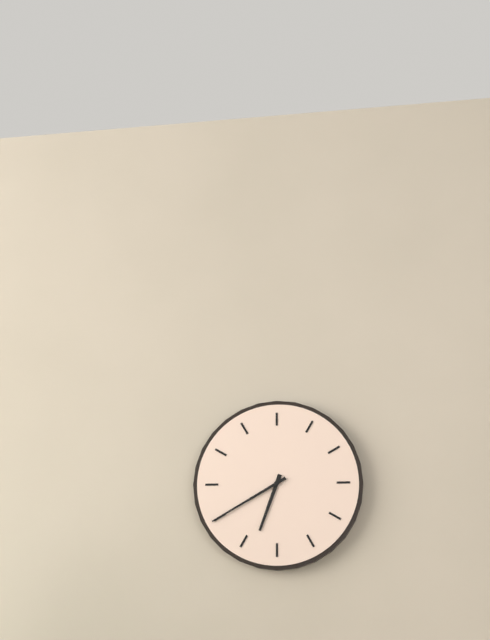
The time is **6:40**
